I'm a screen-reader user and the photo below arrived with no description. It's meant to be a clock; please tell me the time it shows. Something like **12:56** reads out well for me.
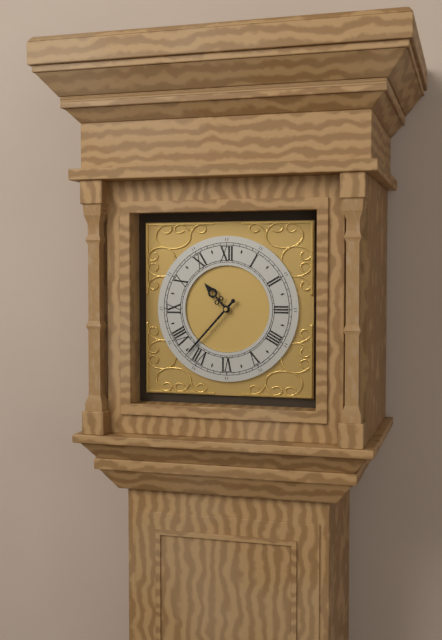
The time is **10:37**
